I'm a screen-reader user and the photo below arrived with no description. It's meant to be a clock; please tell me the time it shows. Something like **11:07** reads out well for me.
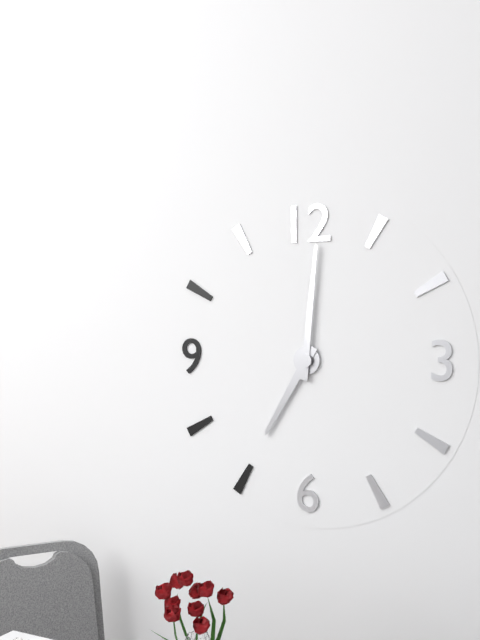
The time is **7:01**
